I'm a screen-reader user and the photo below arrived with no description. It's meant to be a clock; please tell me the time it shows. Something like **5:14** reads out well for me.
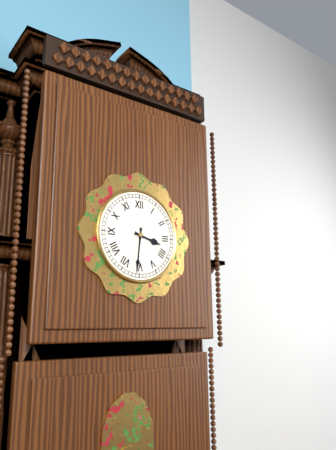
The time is **3:31**
